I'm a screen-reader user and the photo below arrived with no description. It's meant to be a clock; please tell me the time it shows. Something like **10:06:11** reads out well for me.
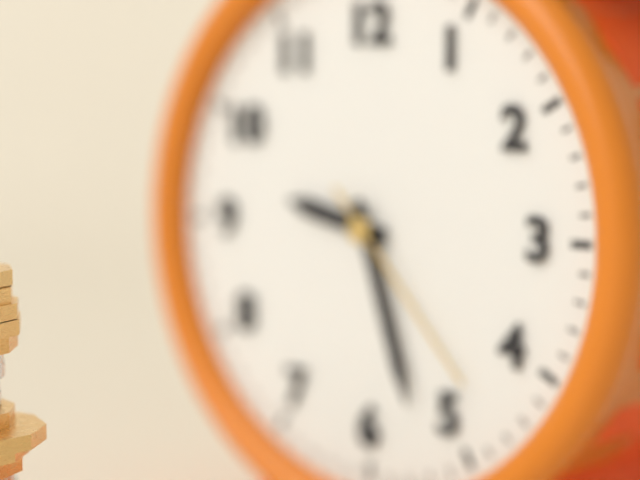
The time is **9:27:23**
